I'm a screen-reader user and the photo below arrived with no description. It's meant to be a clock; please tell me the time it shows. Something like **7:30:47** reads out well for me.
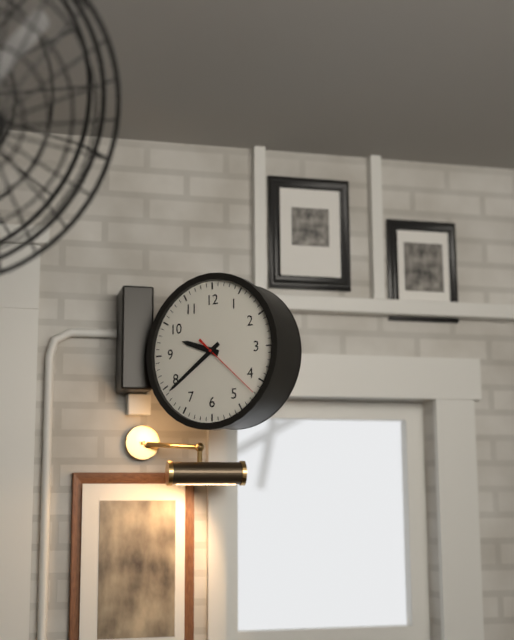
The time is **9:39:22**
